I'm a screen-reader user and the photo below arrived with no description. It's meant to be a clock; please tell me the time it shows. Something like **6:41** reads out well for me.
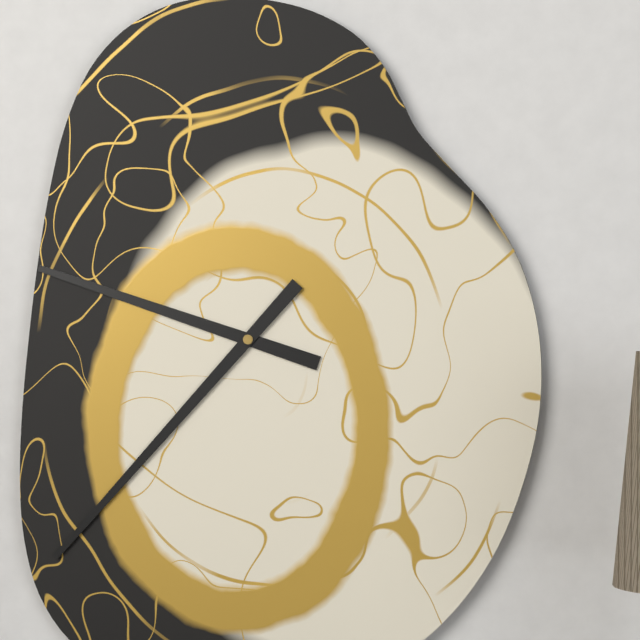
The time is **9:37**
